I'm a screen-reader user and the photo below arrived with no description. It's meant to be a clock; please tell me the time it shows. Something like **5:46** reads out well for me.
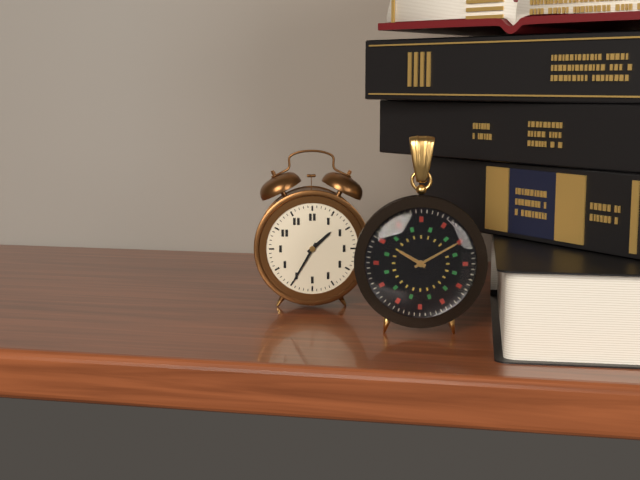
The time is **1:35**
